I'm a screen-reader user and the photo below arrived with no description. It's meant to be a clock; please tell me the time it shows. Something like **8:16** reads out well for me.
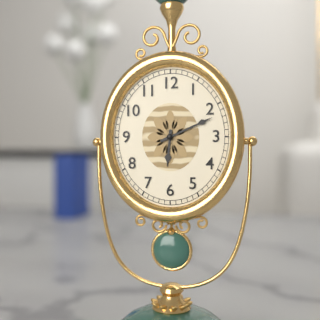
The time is **6:11**
